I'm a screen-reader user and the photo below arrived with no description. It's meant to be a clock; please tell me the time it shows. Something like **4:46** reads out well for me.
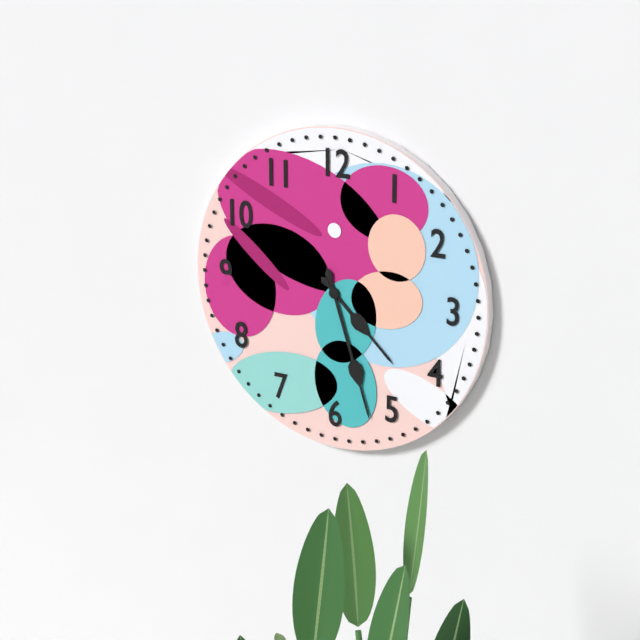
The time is **4:27**
